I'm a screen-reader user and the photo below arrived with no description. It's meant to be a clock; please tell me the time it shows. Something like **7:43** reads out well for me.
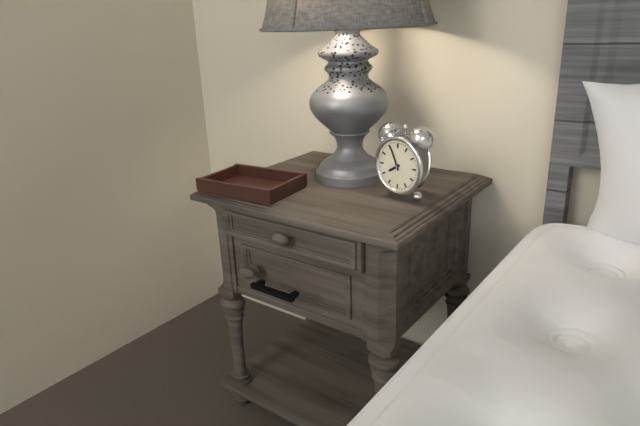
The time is **7:56**
